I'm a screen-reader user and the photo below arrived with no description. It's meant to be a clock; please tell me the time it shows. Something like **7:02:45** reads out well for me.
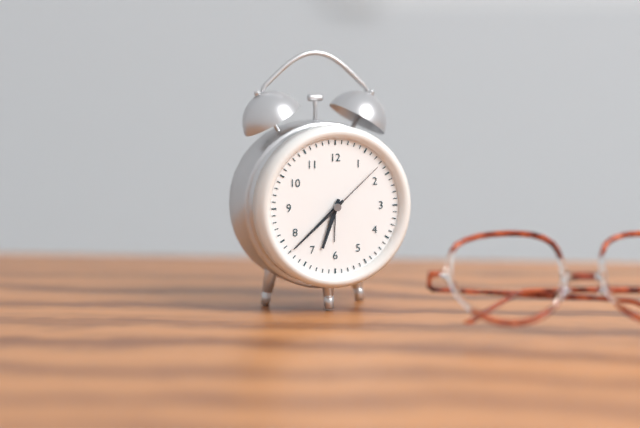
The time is **6:38:08**
